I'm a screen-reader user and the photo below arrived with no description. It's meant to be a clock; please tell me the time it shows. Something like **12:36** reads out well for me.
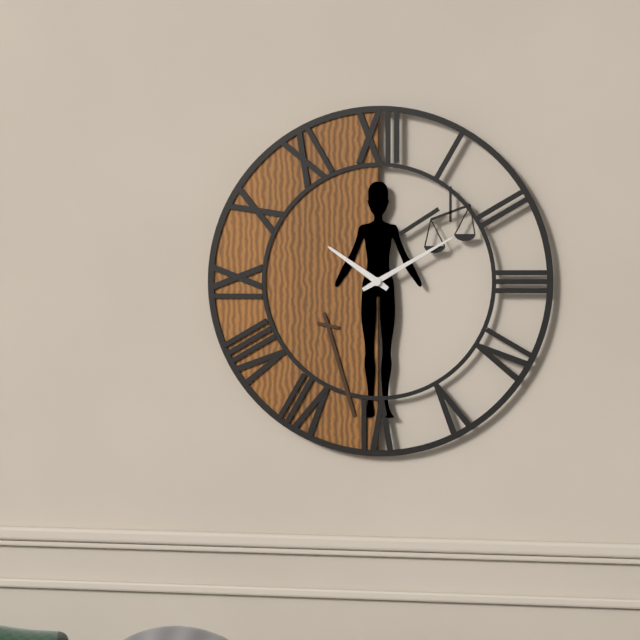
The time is **10:10**
